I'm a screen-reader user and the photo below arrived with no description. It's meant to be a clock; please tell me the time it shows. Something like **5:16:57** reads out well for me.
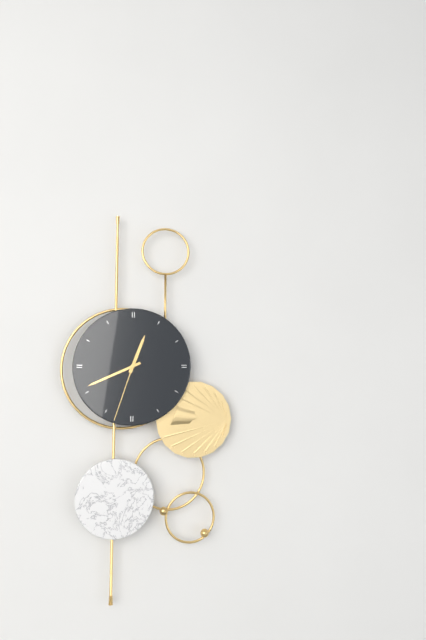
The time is **12:41:33**
